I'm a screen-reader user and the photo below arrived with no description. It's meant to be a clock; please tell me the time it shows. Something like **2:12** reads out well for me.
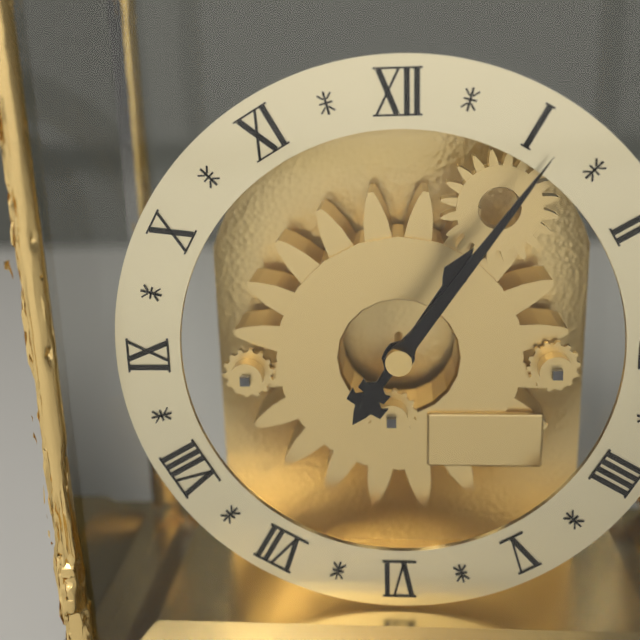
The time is **1:06**
